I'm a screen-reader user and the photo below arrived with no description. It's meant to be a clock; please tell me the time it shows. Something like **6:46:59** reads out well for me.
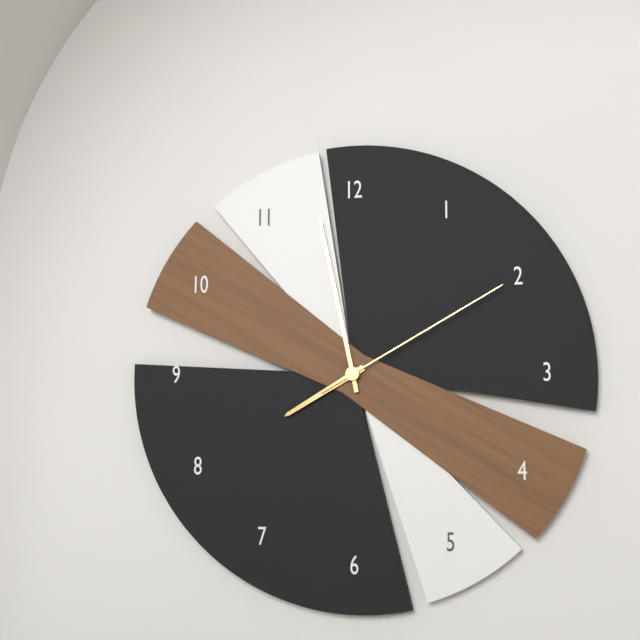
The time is **7:58:10**
